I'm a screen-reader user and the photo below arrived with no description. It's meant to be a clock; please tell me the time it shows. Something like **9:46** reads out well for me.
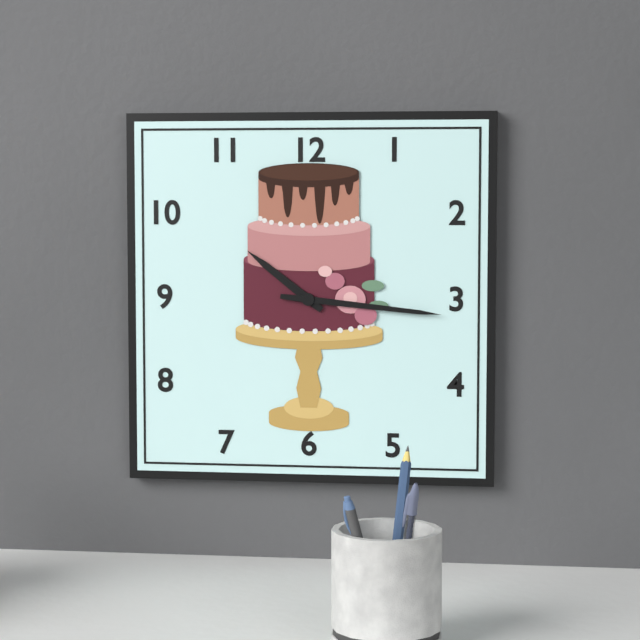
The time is **10:16**
